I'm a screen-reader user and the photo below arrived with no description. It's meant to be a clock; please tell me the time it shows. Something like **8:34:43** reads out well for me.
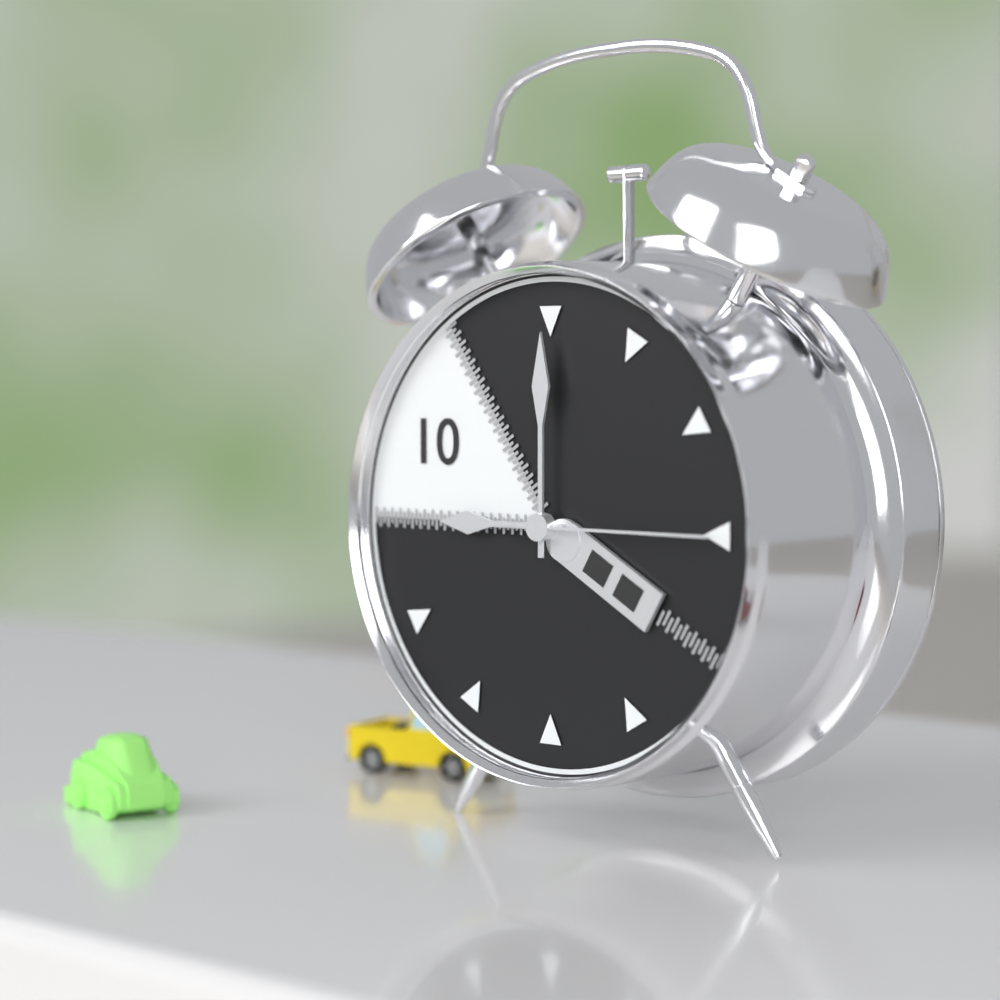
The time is **9:00:15**
